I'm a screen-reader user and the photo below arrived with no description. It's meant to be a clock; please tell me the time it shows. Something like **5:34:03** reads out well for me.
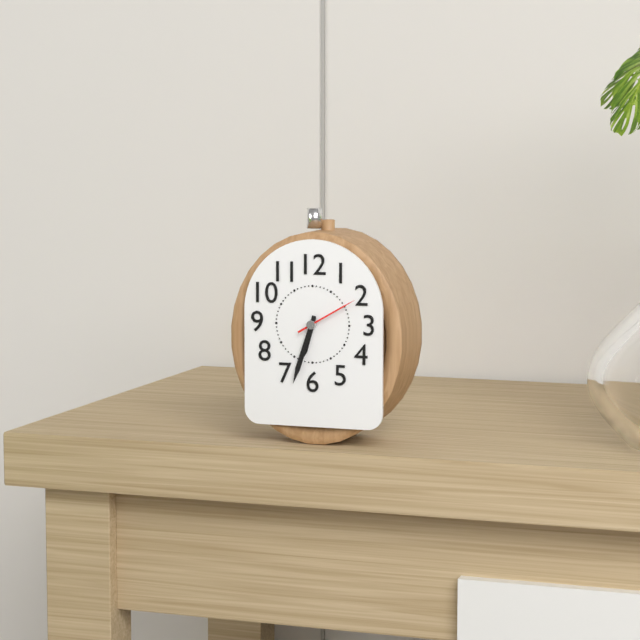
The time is **6:33:10**
